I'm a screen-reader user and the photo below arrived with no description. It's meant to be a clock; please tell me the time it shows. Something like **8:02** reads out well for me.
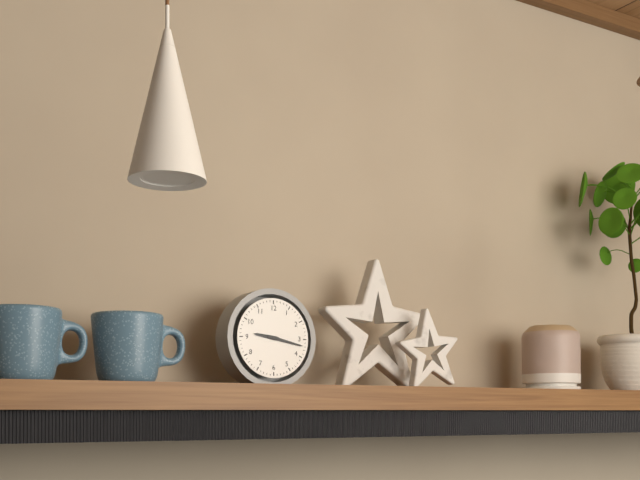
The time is **9:17**
